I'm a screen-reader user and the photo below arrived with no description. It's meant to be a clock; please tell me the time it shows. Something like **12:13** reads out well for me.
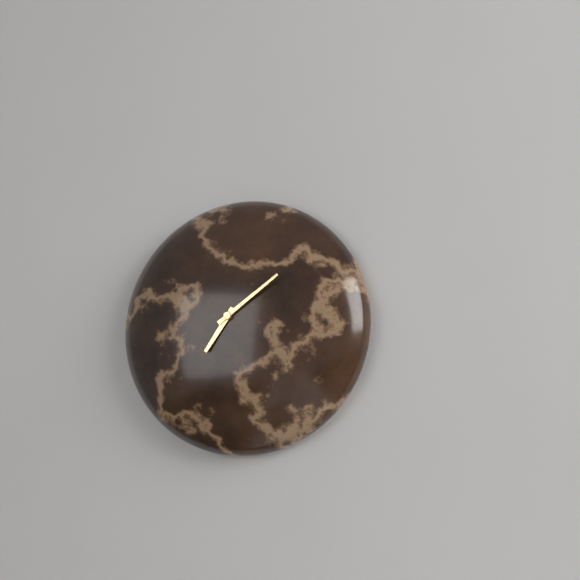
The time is **7:09**
